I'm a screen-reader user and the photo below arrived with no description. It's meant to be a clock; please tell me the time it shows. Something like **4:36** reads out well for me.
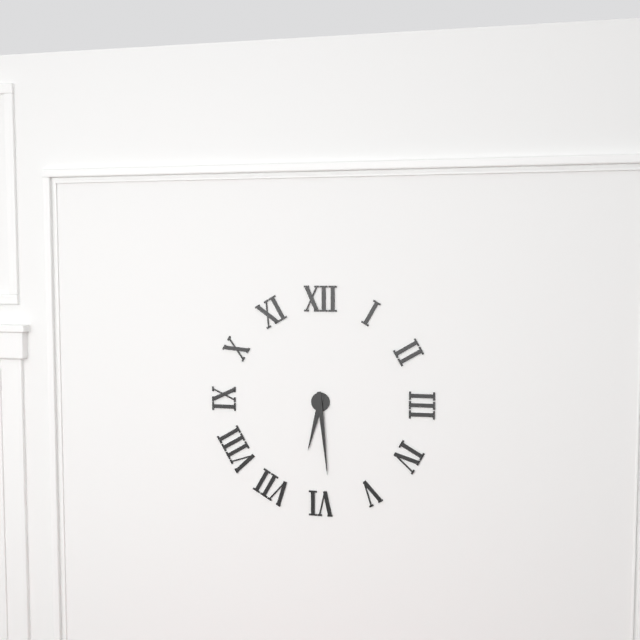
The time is **6:29**
